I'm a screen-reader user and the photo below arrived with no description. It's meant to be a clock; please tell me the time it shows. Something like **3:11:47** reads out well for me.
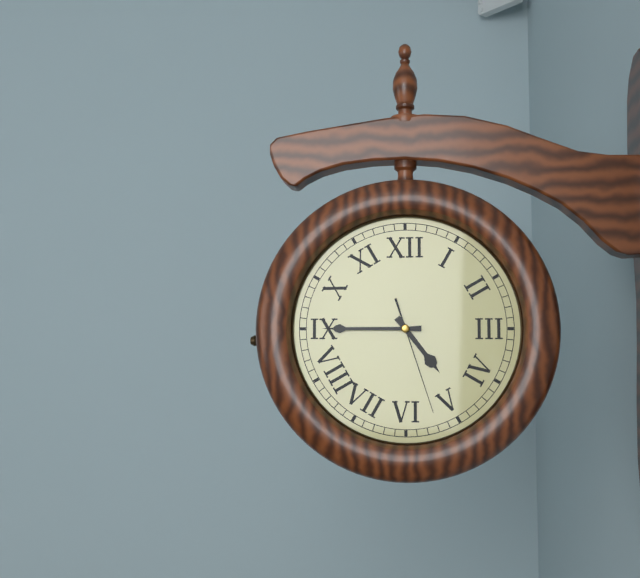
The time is **4:45:27**
